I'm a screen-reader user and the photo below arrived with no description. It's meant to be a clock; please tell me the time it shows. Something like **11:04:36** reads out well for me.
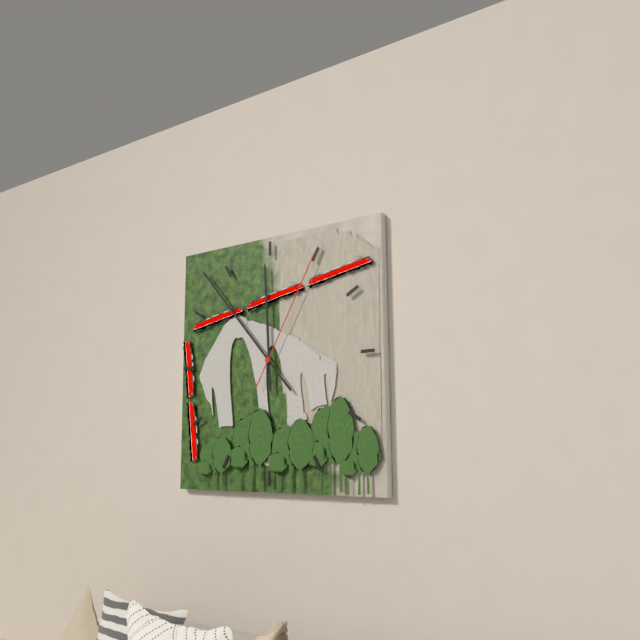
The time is **11:53:05**
